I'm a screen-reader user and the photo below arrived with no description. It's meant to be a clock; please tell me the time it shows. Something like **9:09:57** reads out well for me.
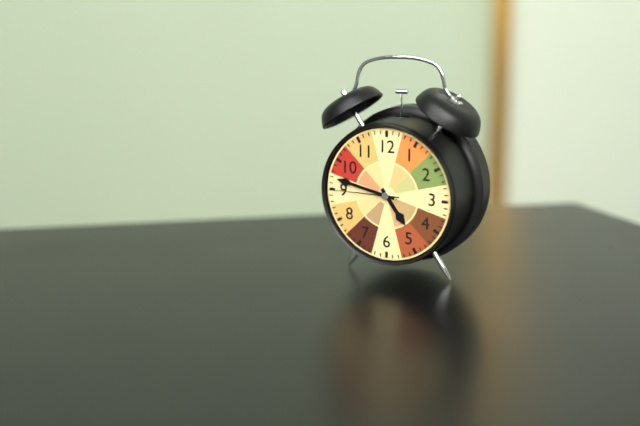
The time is **4:47:45**
